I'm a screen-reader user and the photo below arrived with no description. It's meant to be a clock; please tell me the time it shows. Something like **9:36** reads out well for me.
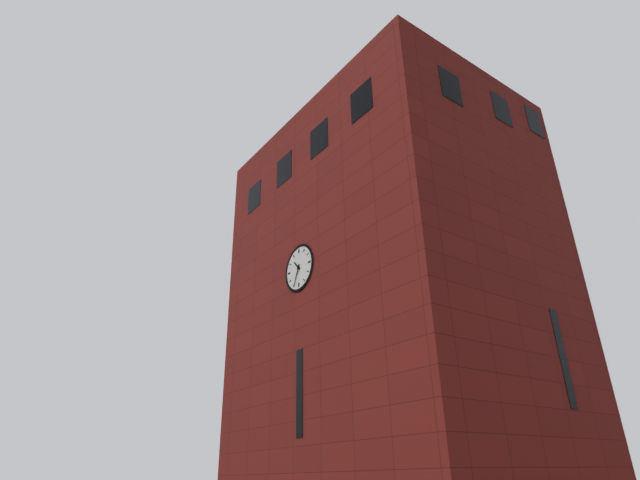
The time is **10:34**
